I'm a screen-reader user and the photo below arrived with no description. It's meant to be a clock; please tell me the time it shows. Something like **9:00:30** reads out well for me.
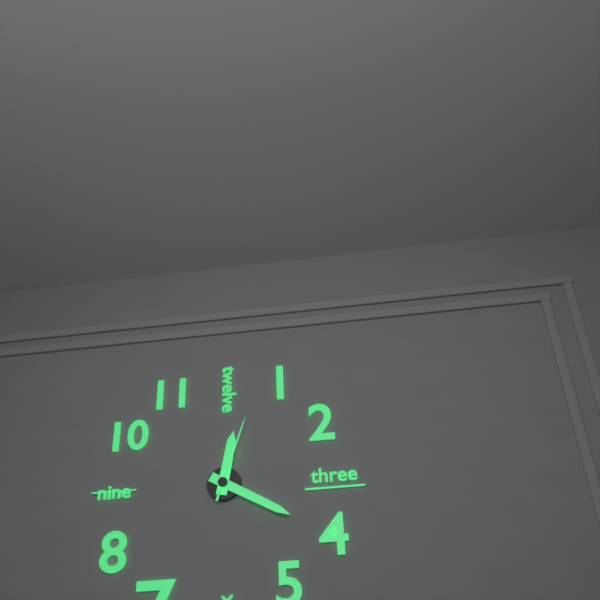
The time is **12:20:03**
